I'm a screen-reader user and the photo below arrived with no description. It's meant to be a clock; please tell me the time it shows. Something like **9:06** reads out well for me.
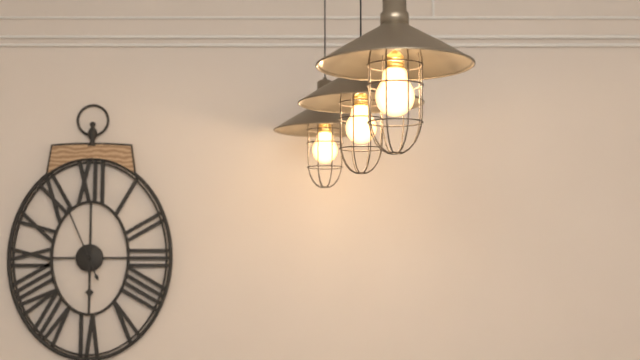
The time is **5:56**
